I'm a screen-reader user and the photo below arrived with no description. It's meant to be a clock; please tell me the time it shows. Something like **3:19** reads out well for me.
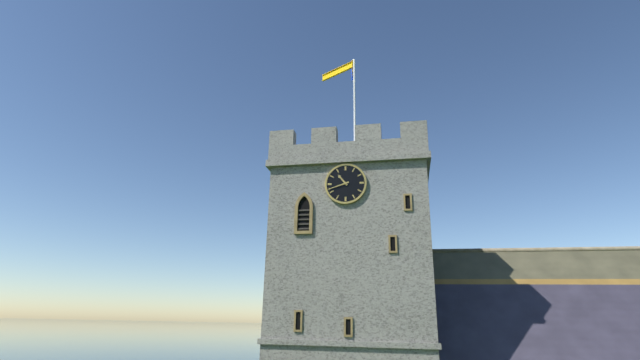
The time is **10:42**
